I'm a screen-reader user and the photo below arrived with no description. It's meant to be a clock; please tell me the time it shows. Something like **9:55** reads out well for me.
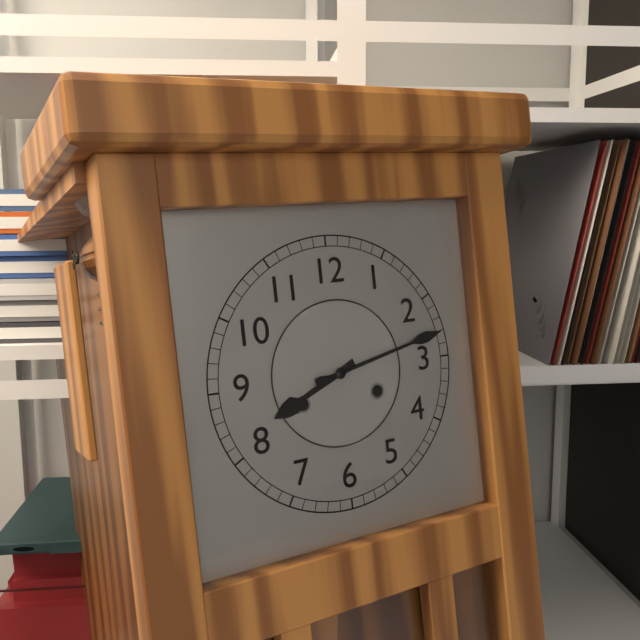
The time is **8:13**
